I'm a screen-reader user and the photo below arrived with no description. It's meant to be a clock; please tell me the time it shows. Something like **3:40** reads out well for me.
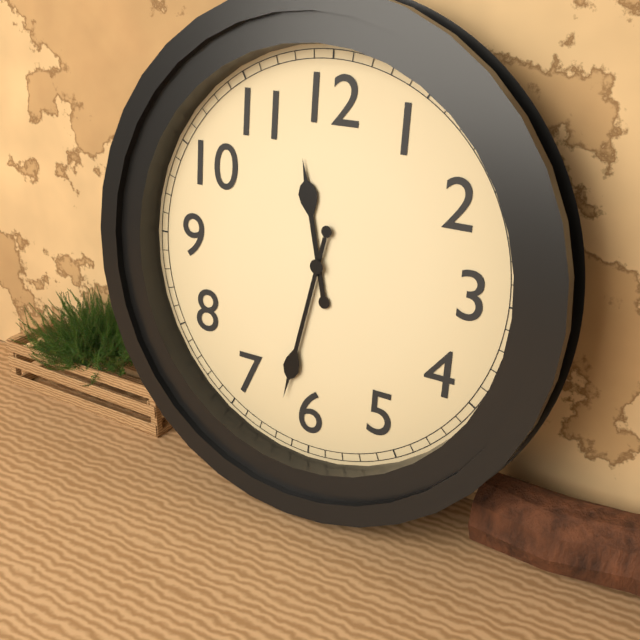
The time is **11:32**
